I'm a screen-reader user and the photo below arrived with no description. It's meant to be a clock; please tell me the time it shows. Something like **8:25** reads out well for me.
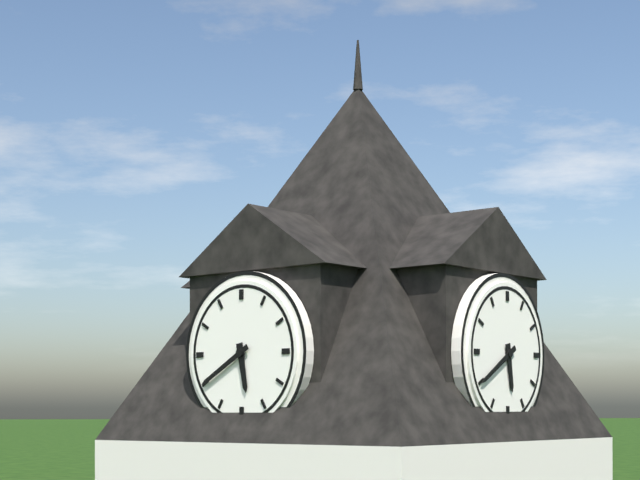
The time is **5:40**
